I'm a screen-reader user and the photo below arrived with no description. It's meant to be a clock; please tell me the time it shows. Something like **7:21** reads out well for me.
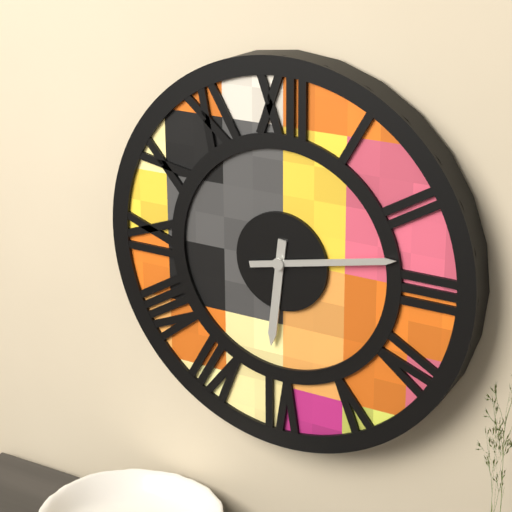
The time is **6:13**
